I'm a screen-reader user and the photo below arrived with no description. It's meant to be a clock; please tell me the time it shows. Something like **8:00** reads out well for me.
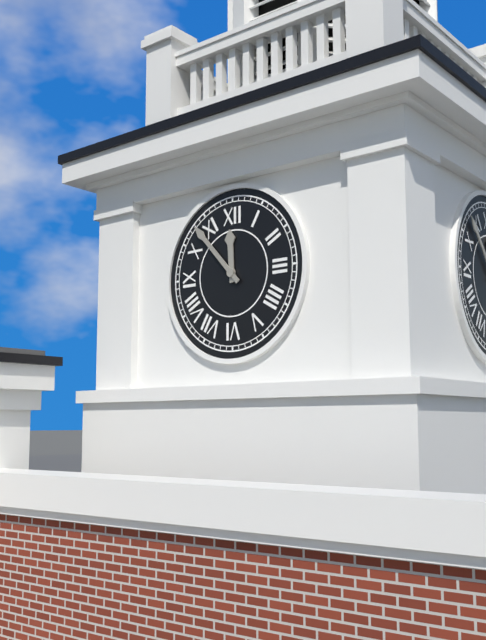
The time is **11:53**
